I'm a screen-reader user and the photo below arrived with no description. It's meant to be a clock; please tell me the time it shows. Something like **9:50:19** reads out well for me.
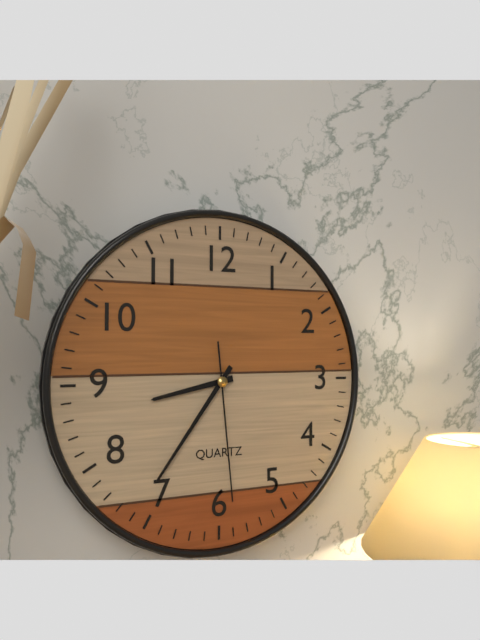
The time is **8:36:29**
